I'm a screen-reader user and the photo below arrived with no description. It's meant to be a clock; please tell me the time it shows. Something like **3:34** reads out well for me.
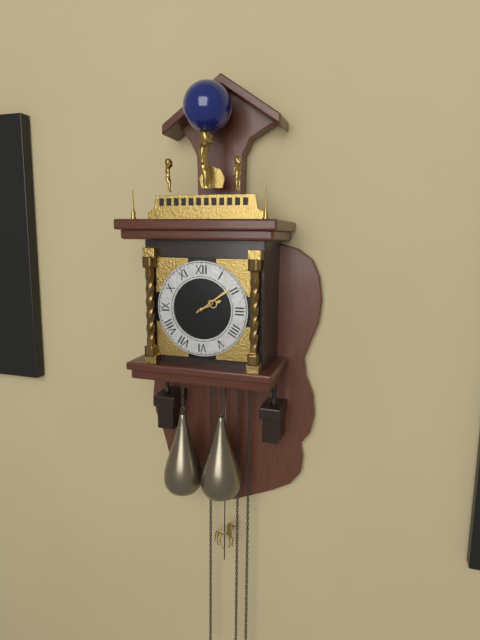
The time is **2:09**
